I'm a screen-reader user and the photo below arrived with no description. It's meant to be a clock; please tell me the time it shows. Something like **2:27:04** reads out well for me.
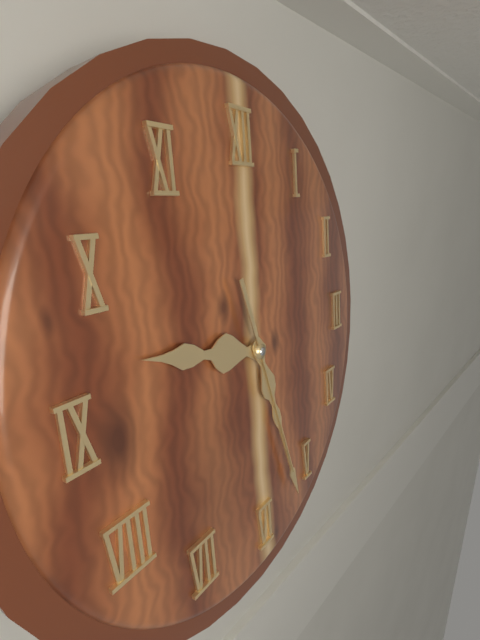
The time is **9:27:27**
